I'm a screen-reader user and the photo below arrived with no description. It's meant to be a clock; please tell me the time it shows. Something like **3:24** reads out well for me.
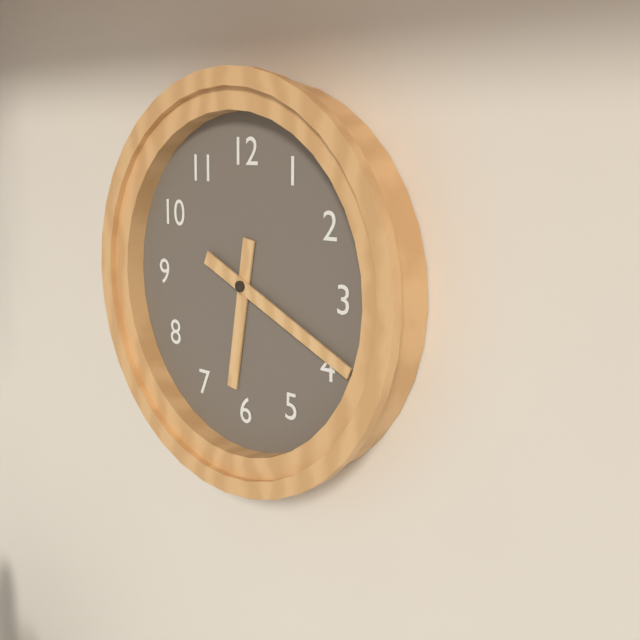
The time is **6:19**
